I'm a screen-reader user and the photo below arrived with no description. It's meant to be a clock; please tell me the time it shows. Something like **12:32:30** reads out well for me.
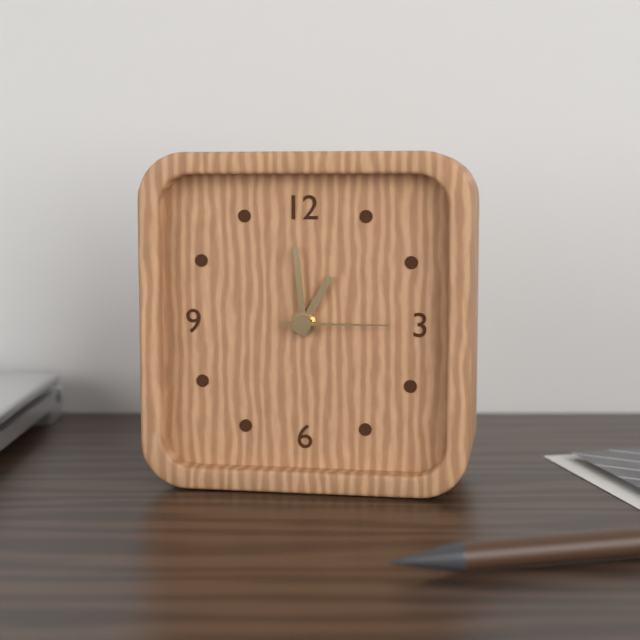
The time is **12:59:15**
